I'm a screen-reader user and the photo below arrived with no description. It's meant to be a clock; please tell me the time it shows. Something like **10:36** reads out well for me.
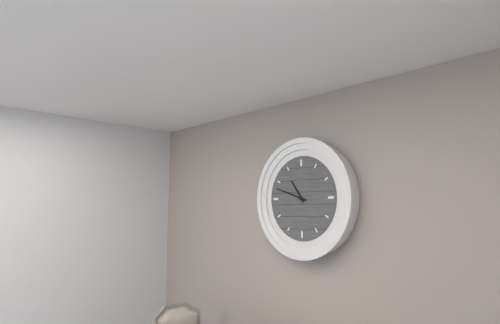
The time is **10:48**
